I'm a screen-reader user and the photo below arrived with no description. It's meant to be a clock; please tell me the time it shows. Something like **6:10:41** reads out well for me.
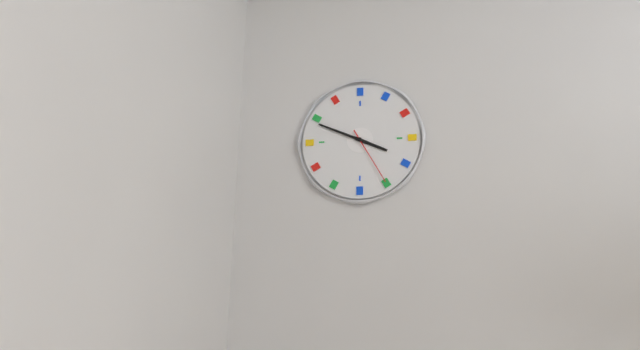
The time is **3:49:25**
